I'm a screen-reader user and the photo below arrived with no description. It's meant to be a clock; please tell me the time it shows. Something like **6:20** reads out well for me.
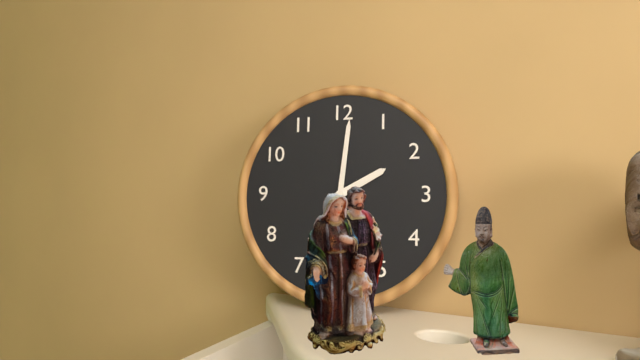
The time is **2:01**
